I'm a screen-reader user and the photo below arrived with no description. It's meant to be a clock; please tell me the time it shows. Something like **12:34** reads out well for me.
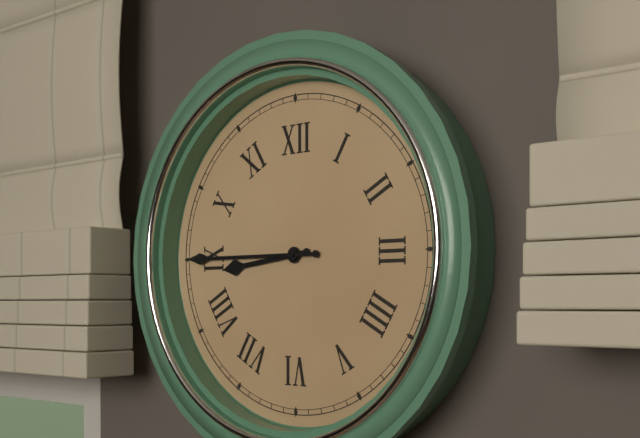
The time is **8:45**
